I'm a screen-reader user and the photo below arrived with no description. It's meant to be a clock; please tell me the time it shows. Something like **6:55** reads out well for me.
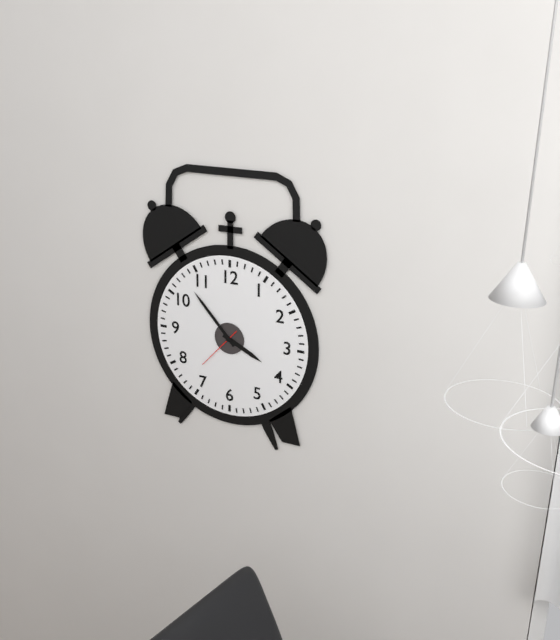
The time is **3:53**
